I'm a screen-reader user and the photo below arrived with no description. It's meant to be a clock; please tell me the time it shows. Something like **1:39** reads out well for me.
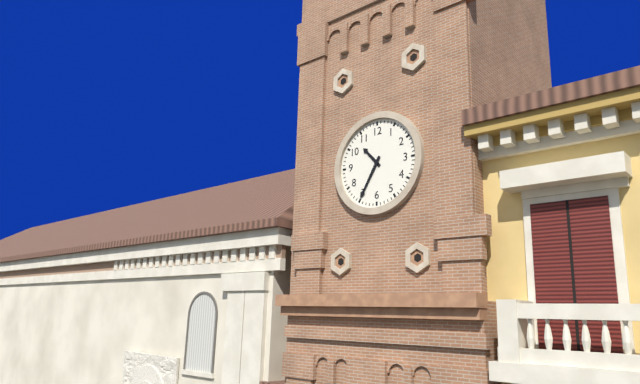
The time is **10:35**
